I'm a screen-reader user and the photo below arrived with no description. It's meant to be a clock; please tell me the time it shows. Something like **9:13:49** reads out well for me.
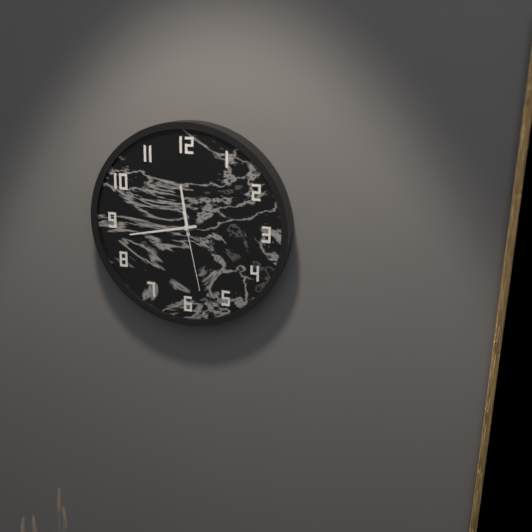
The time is **11:43:28**
